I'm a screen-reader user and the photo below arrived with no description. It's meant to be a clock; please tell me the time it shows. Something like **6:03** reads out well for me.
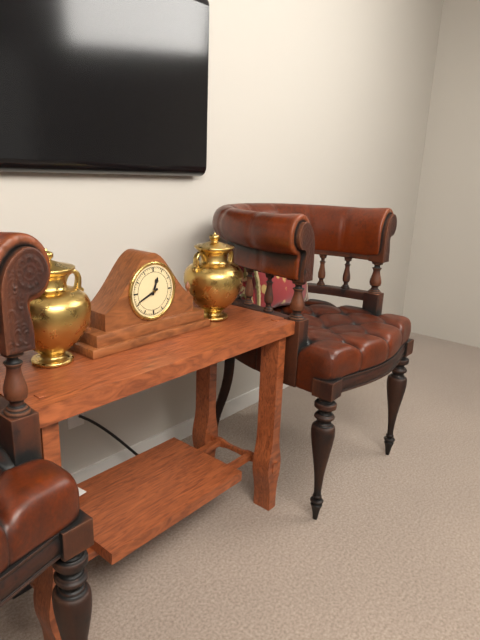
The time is **12:41**
